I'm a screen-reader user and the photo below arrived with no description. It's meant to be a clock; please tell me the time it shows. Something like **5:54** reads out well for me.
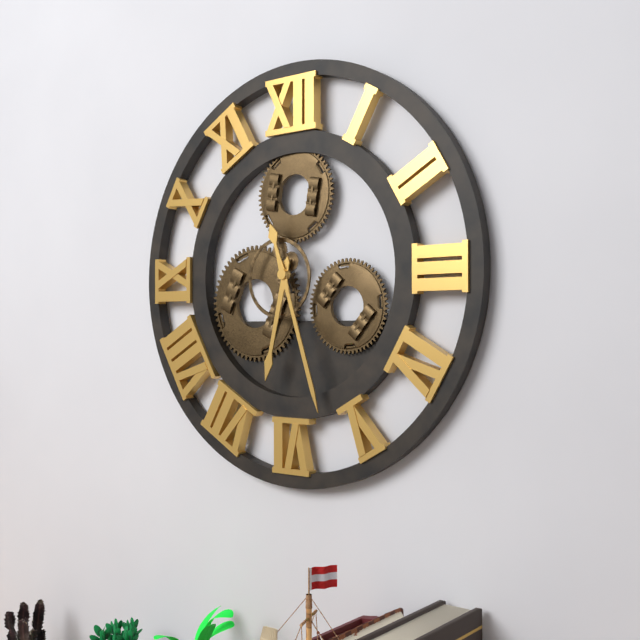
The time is **6:27**
